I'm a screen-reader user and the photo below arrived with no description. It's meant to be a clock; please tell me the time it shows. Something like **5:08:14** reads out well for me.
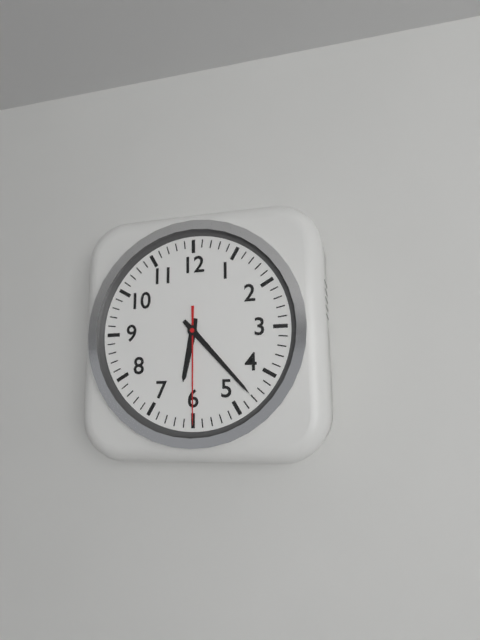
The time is **6:23:30**
